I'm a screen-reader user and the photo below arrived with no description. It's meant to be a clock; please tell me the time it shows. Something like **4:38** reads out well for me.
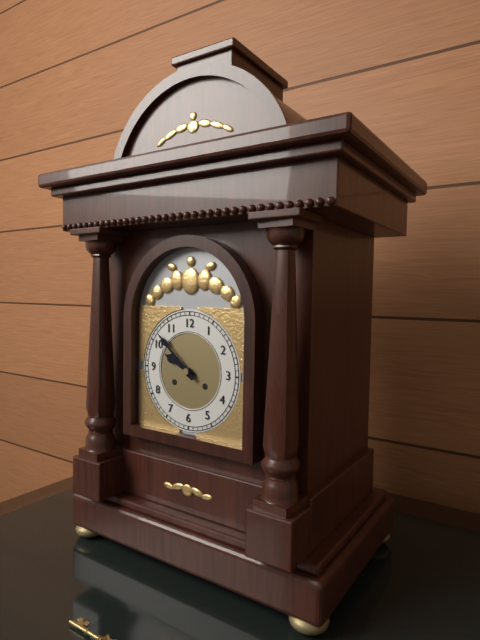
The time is **9:52**
